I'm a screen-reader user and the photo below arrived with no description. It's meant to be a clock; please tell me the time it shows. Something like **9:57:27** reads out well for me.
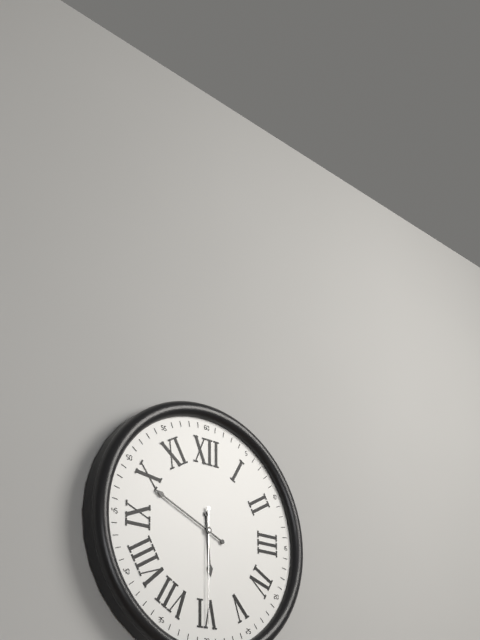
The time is **5:49:30**
